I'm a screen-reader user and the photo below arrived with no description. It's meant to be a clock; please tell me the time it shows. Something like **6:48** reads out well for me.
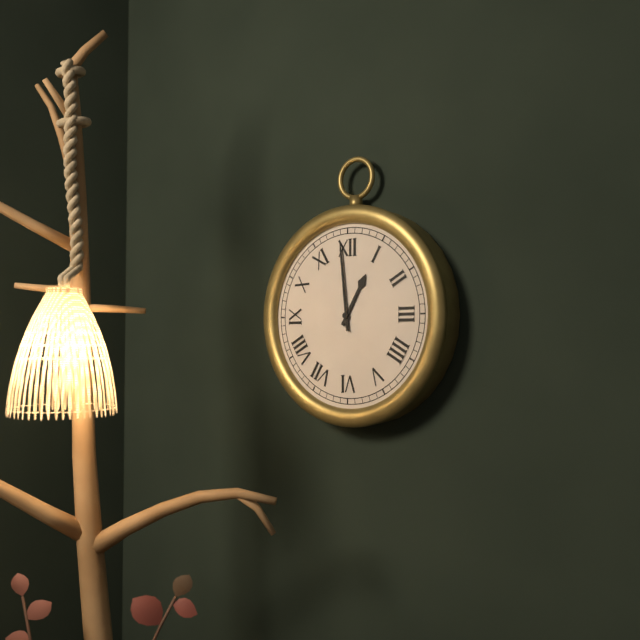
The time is **12:59**
